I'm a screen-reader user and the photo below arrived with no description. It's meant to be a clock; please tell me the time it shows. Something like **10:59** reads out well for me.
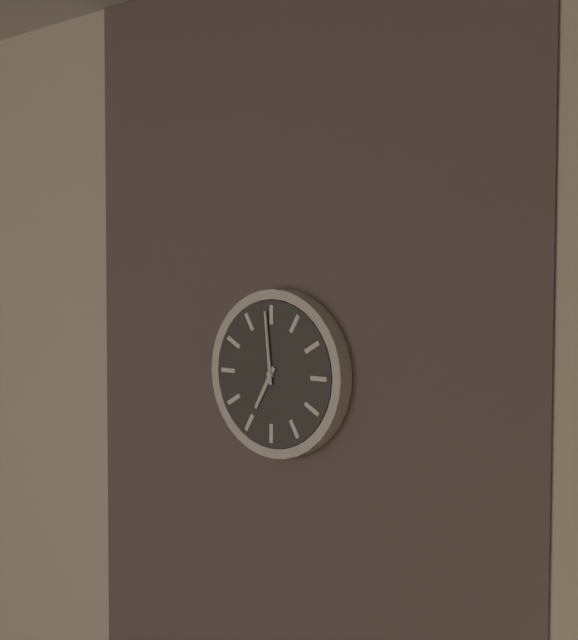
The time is **6:59**
